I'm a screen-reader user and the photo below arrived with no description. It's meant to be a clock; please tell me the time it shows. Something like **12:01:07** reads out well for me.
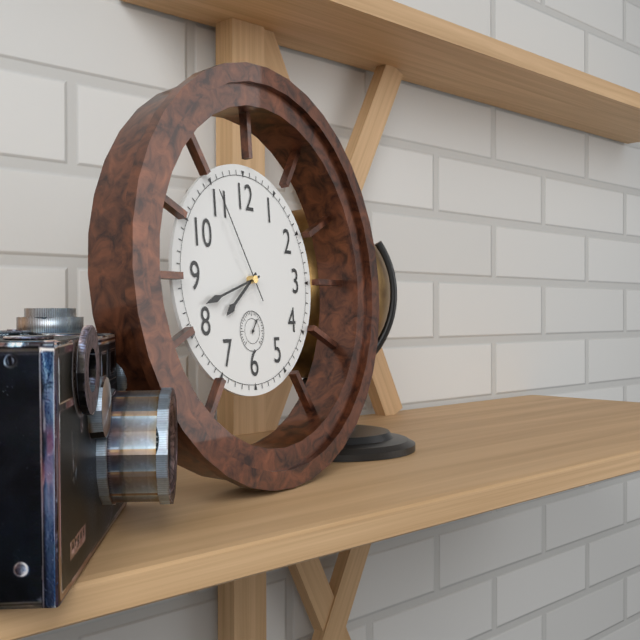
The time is **7:42:55**
